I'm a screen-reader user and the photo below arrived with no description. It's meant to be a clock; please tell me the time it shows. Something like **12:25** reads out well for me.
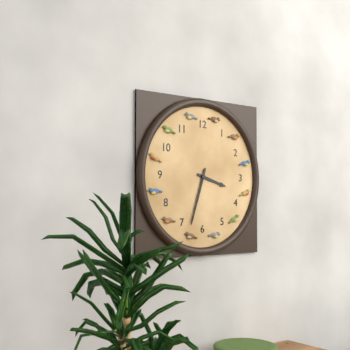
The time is **3:33**
